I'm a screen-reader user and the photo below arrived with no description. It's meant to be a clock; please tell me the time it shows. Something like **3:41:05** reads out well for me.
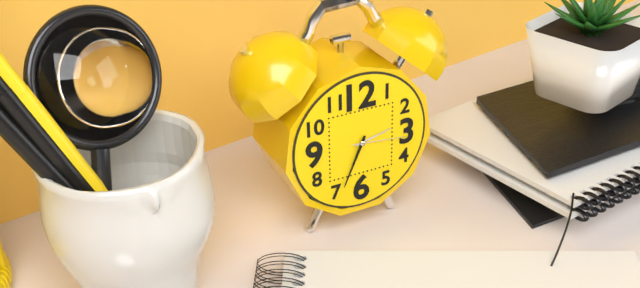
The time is **2:34:16**
